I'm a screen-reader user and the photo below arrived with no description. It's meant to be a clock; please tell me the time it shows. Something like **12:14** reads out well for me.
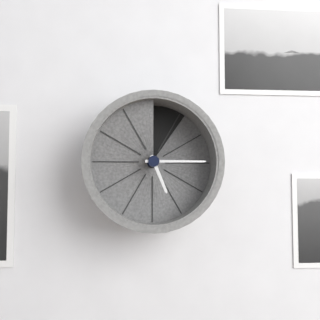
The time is **5:15**
